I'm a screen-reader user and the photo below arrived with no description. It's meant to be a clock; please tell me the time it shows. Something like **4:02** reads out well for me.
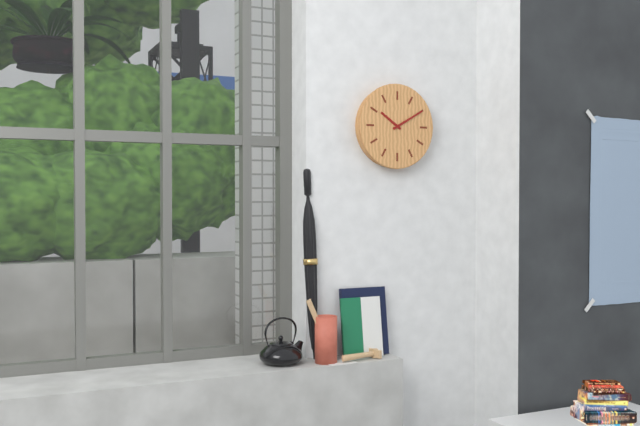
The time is **10:10**
